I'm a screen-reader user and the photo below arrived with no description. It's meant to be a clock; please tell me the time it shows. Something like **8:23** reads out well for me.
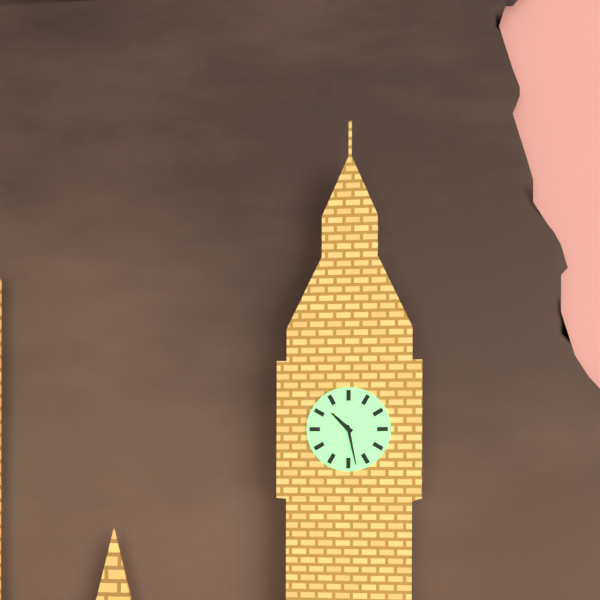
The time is **10:28**
